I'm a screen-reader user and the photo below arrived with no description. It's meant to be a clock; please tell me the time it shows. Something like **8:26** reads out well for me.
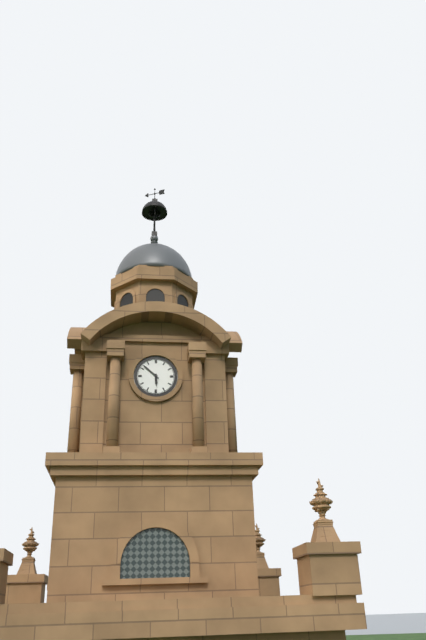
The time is **5:52**
